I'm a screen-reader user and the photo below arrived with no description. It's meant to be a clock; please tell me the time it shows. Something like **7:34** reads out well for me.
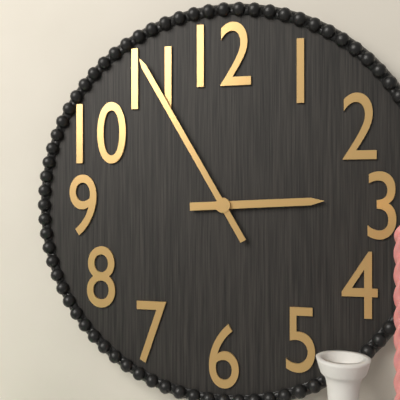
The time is **2:55**
